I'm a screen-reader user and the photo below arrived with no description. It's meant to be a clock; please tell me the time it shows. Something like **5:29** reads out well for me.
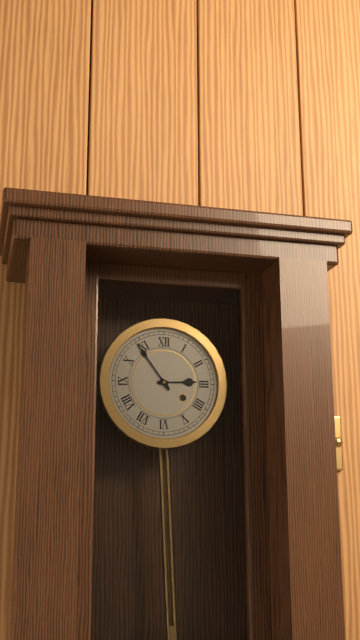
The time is **2:54**
